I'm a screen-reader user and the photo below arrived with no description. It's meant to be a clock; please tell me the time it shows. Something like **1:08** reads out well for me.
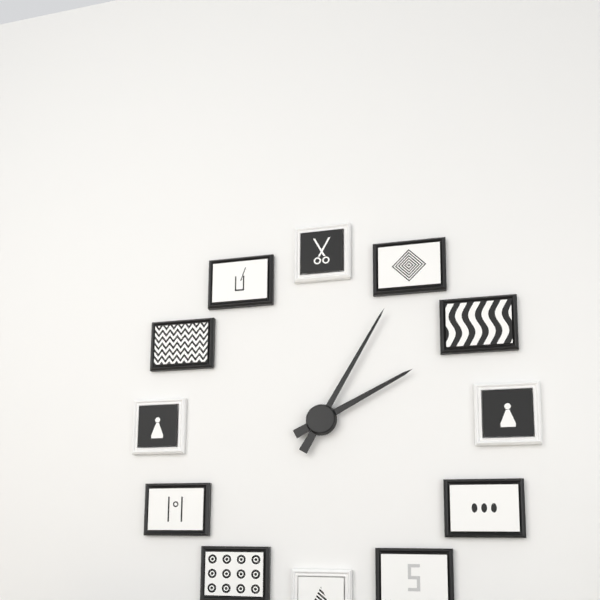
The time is **2:05**
